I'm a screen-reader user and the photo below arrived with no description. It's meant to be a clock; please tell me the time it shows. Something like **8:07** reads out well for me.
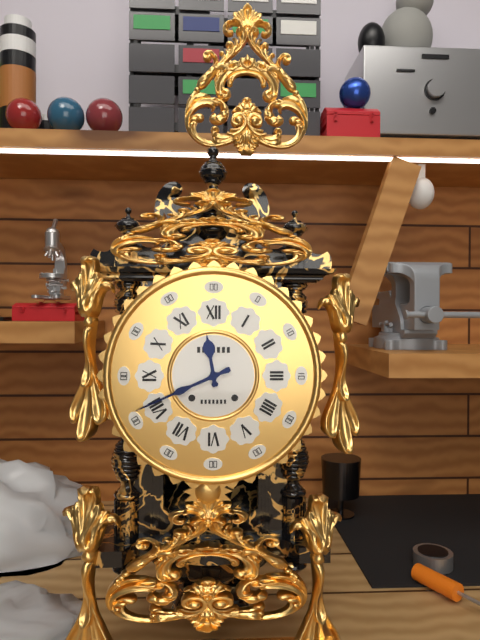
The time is **11:41**
